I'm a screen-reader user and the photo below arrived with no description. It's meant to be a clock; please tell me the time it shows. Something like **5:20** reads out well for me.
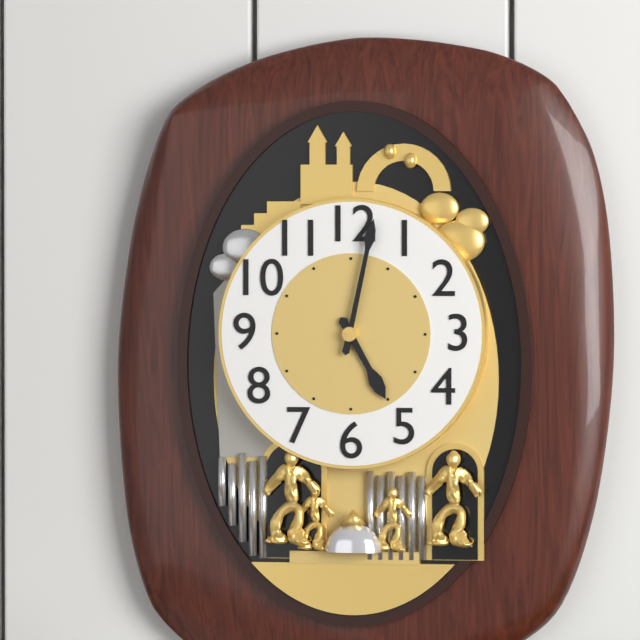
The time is **5:02**
